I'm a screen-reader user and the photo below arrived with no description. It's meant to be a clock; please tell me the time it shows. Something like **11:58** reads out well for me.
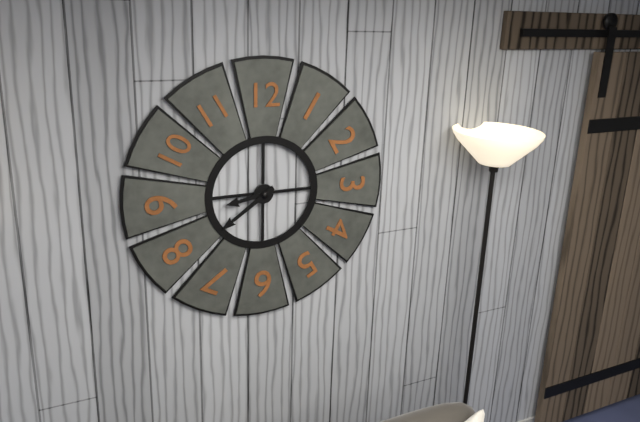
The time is **8:39**
